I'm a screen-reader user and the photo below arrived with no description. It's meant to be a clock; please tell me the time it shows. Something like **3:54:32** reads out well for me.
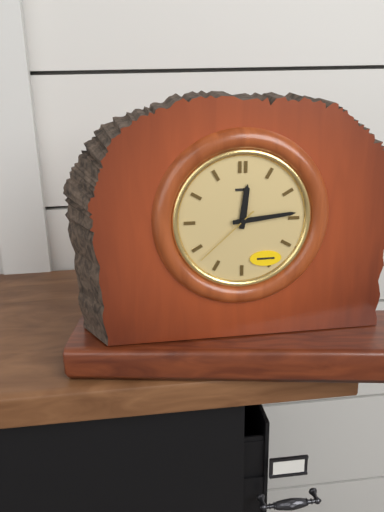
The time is **12:14:38**
